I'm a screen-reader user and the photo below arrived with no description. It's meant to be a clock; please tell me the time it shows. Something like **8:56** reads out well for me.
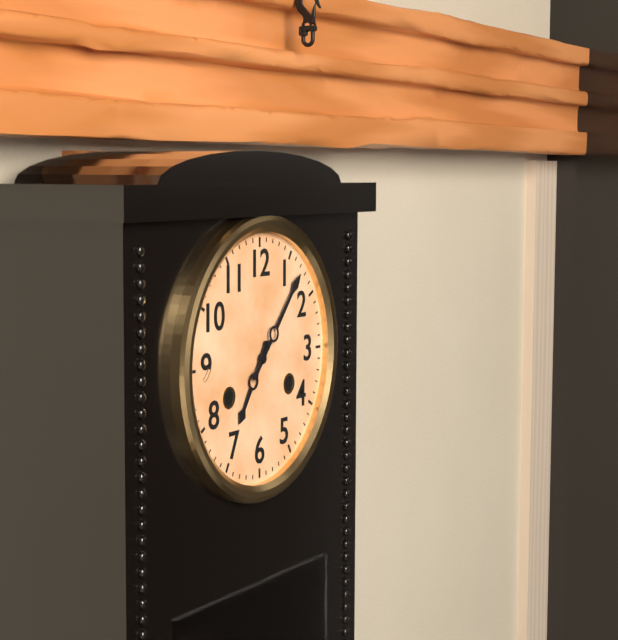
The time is **7:07**
